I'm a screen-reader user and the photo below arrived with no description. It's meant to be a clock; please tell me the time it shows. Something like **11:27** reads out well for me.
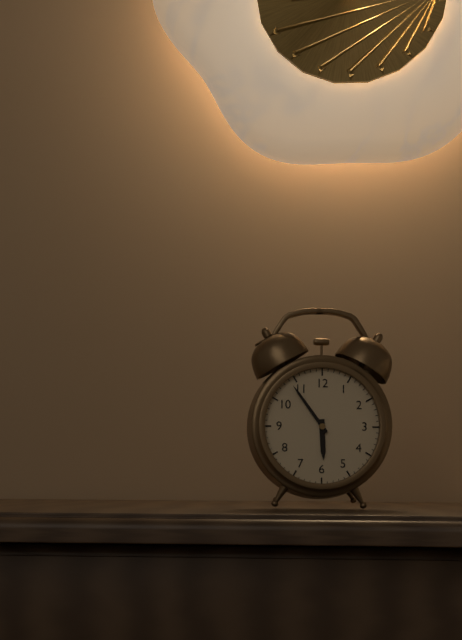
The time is **5:54**
